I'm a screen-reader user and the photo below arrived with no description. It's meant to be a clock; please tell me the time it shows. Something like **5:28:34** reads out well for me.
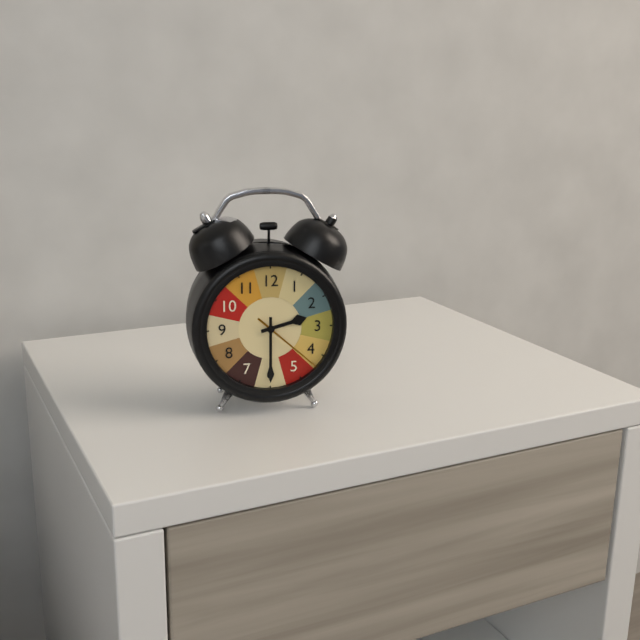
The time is **2:30:22**
